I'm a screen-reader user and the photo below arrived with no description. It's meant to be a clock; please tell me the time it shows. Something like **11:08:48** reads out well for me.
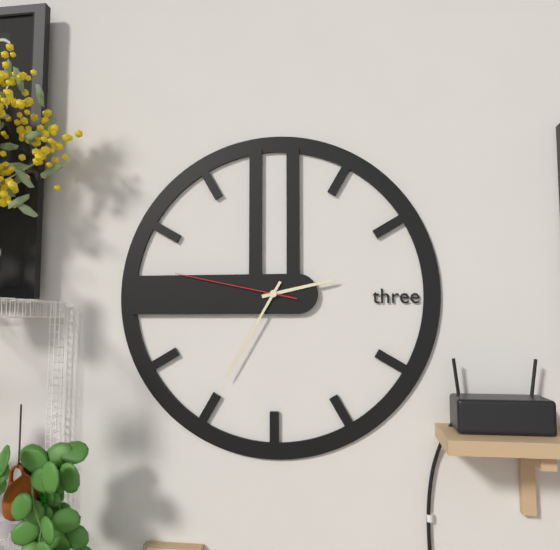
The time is **2:35:47**
